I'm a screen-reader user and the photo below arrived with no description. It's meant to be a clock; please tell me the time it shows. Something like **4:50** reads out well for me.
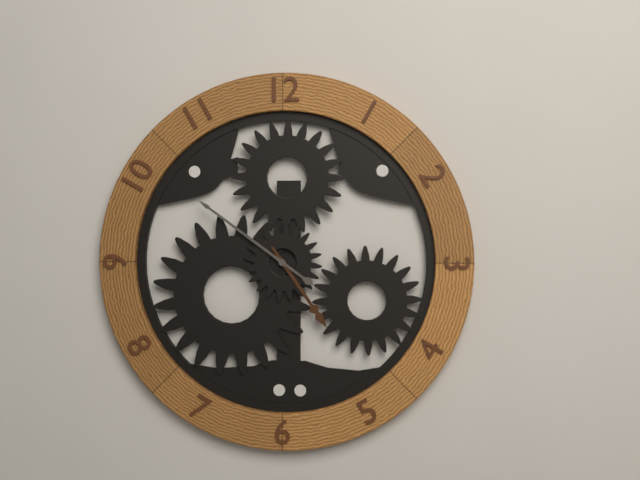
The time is **4:51**
